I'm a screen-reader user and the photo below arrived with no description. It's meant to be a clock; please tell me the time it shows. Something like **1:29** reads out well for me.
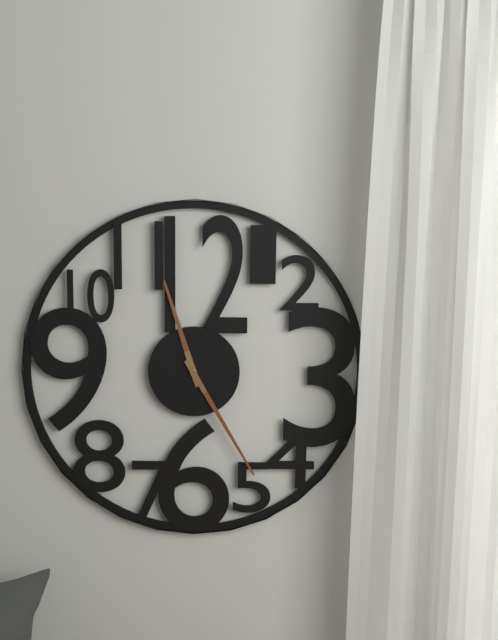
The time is **11:25**
